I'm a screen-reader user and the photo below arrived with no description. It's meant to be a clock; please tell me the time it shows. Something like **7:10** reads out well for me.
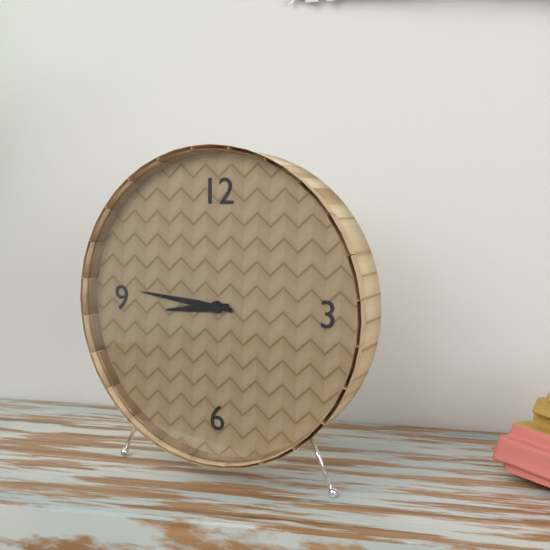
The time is **8:46**
